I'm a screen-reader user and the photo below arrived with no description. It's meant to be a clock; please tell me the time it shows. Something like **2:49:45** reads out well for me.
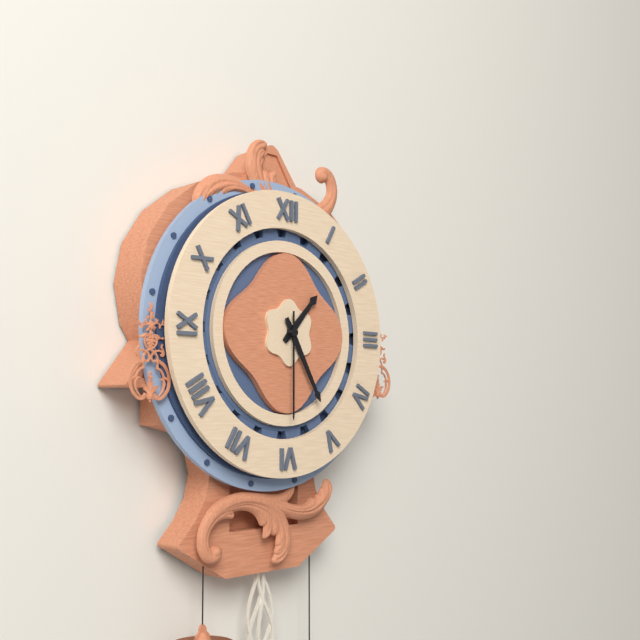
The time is **1:25:30**
